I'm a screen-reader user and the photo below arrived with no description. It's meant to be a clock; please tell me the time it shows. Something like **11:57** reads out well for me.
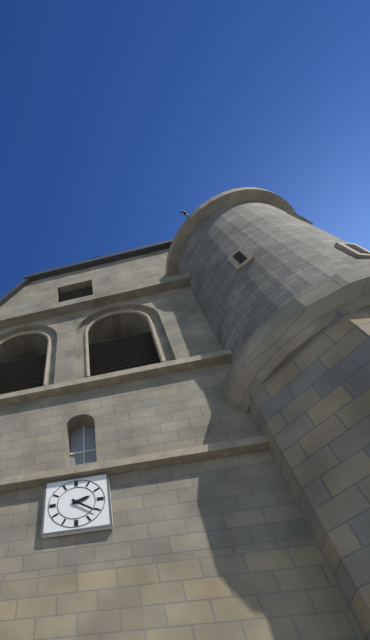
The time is **2:21**
